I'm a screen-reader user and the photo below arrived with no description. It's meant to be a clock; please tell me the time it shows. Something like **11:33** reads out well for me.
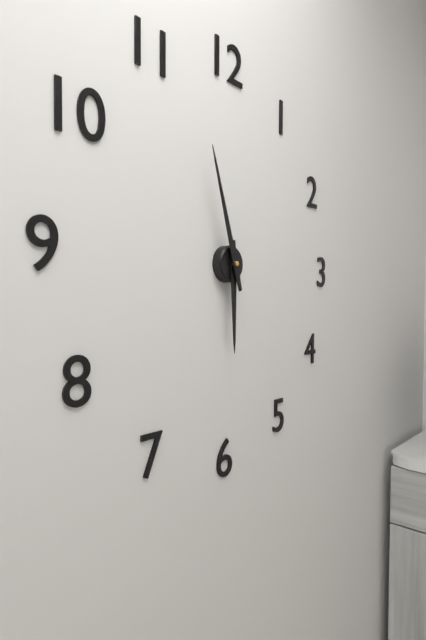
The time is **5:57**
